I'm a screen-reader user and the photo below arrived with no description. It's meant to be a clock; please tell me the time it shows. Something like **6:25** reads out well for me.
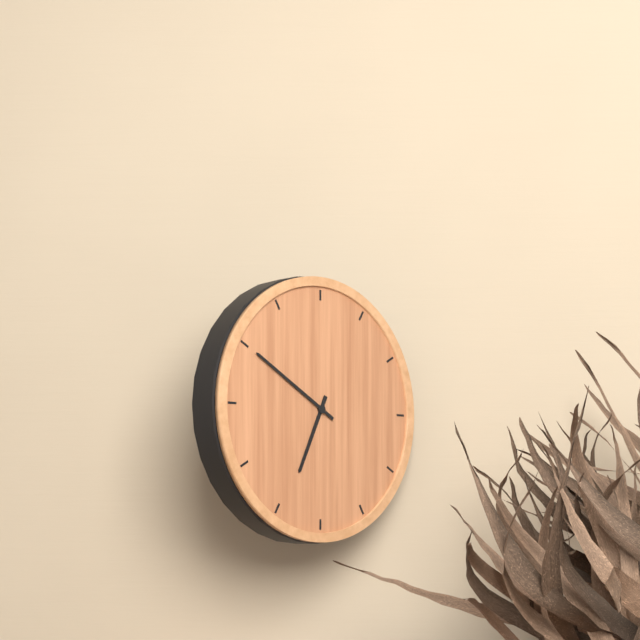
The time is **6:50**
